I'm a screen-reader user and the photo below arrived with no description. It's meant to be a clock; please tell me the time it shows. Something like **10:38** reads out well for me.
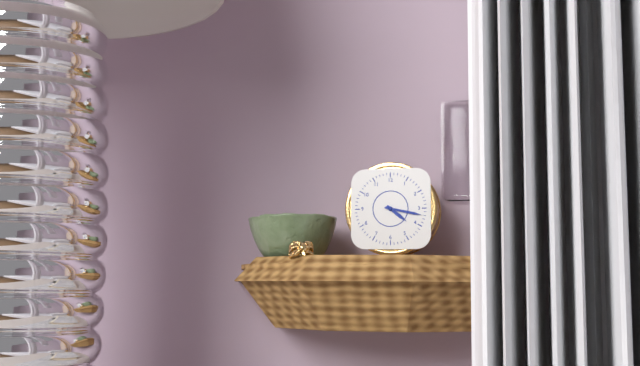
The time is **4:17**
